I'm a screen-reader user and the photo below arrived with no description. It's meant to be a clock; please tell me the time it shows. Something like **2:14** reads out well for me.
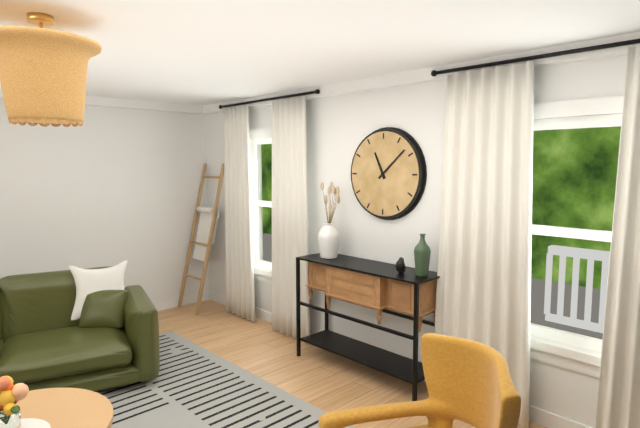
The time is **11:08**
